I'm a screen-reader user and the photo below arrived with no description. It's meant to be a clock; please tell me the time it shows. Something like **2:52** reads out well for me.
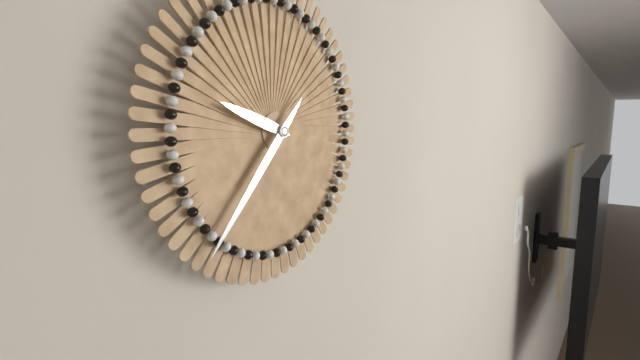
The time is **9:37**
